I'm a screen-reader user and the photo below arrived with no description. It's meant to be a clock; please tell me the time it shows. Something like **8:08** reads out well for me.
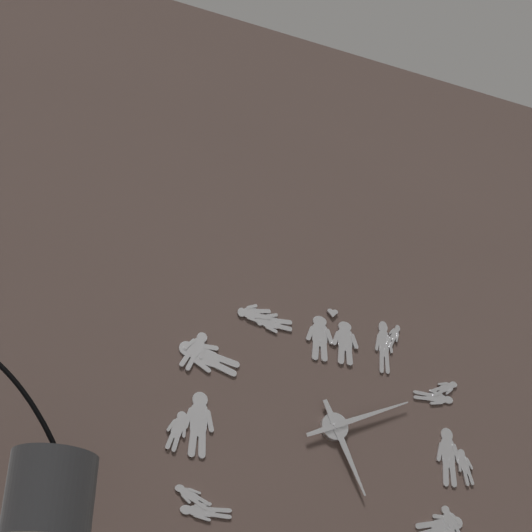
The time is **5:11**
